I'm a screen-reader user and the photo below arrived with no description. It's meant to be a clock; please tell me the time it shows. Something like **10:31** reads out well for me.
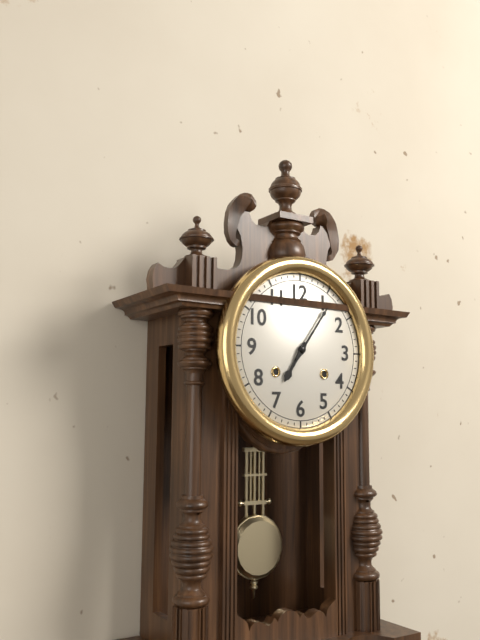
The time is **7:06**
